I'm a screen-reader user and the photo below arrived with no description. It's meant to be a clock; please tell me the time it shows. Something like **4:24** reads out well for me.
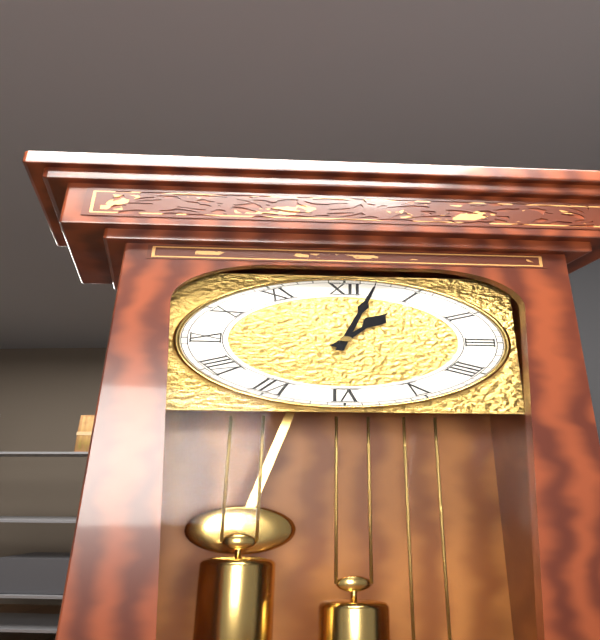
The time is **1:02**
